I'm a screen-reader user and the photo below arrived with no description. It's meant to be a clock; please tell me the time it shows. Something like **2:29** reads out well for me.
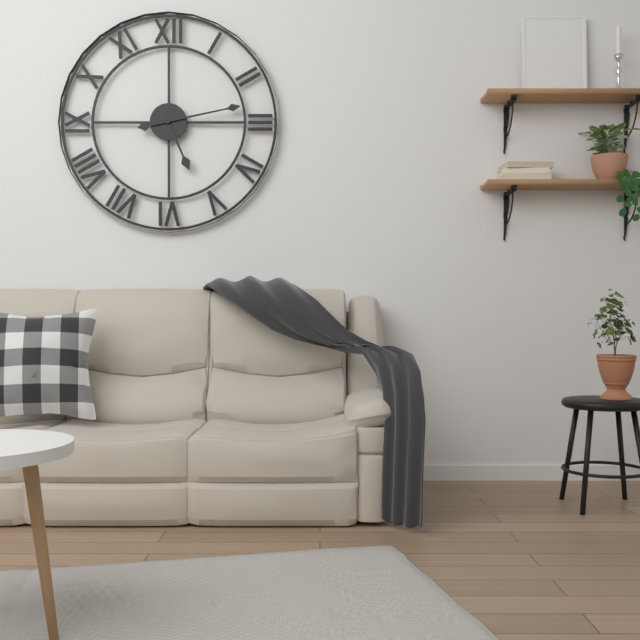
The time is **5:13**
